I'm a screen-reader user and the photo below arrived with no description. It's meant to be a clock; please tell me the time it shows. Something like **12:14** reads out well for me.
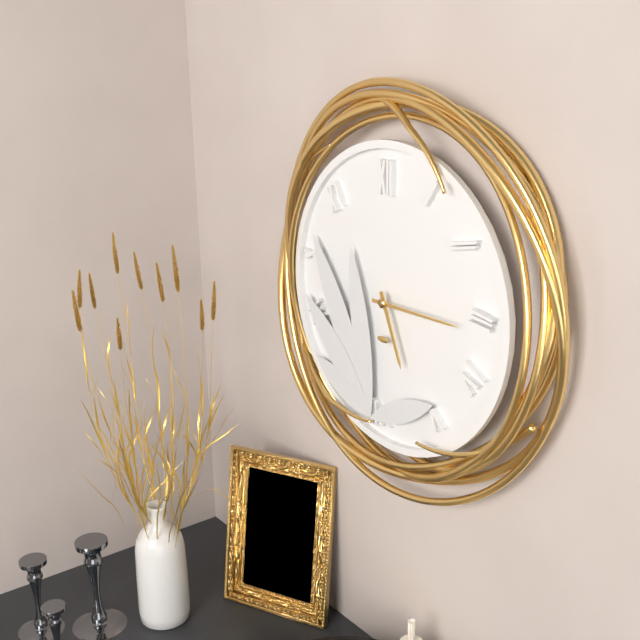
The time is **5:15**
